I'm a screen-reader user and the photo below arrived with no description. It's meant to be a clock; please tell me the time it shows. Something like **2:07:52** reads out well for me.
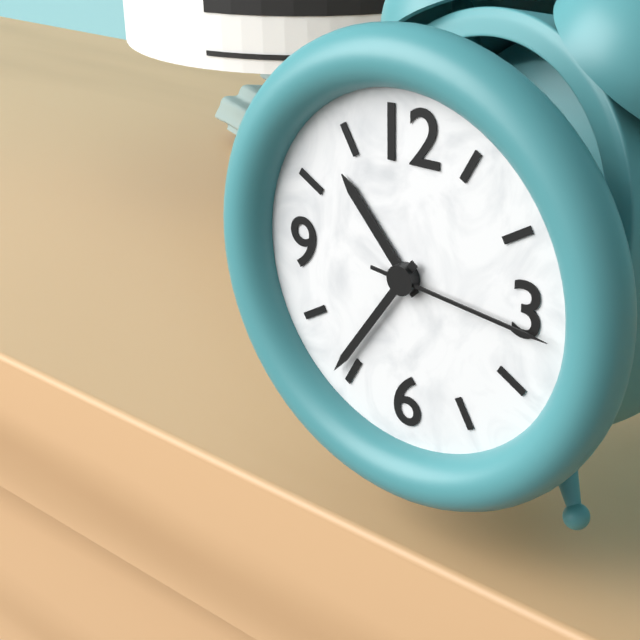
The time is **10:36:16**
